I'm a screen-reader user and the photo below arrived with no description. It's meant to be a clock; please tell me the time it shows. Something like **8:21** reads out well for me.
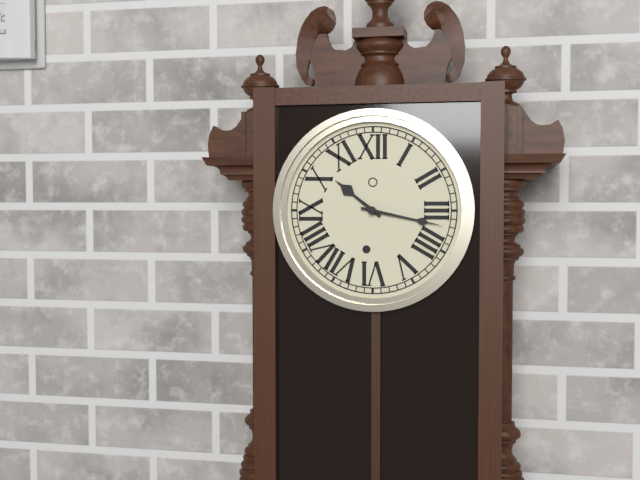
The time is **10:17**
